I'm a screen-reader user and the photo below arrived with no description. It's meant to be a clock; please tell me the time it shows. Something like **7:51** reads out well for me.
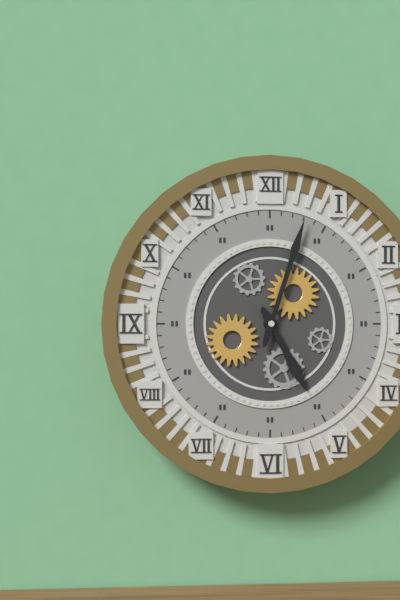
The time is **5:03**
